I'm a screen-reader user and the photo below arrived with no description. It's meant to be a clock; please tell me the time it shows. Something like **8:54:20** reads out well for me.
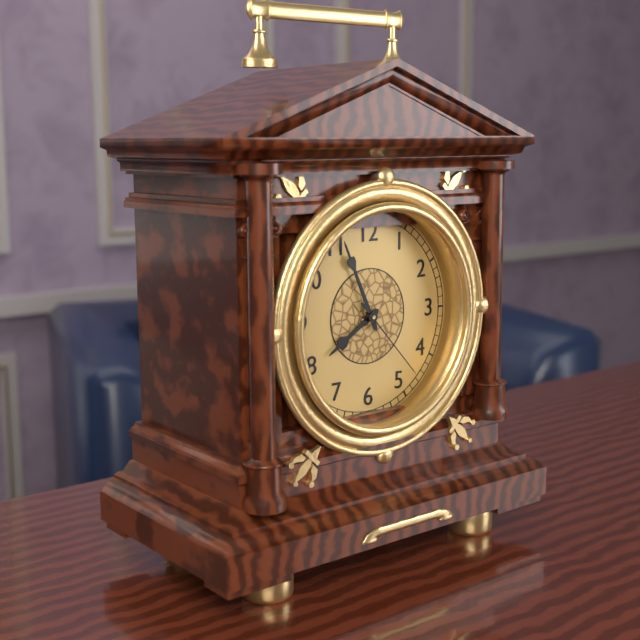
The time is **7:56:23**
